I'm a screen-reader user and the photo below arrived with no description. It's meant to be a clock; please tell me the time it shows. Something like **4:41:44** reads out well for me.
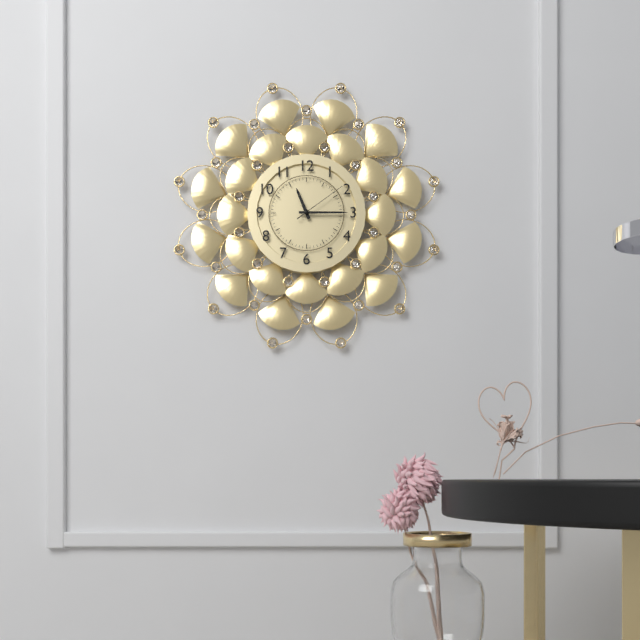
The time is **11:15:09**
